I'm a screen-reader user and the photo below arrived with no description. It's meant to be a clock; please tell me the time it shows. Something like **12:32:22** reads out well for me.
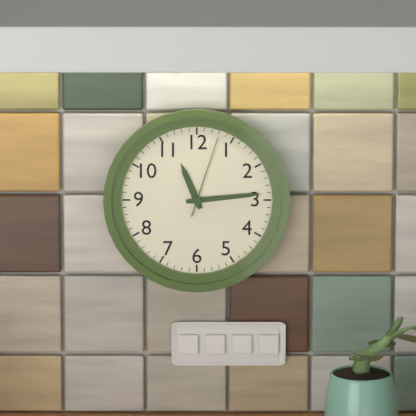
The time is **11:14:03**
